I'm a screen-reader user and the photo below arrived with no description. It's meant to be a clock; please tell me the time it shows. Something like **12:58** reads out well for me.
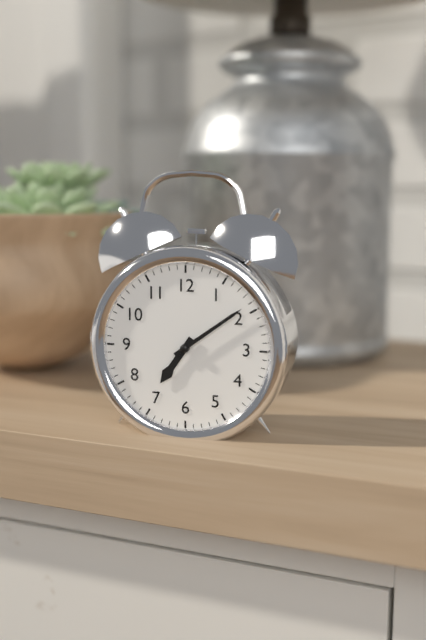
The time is **7:09**
